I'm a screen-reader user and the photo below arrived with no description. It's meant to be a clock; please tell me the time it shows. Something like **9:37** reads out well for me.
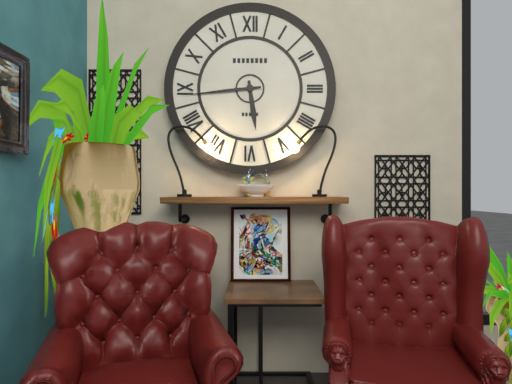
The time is **5:44**
